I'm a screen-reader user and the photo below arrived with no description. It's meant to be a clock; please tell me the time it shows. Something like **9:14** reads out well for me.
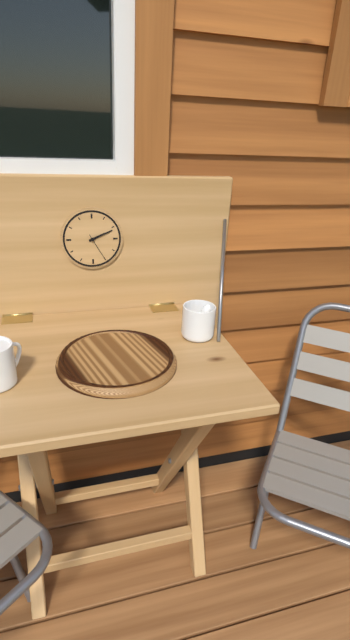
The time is **2:11**
